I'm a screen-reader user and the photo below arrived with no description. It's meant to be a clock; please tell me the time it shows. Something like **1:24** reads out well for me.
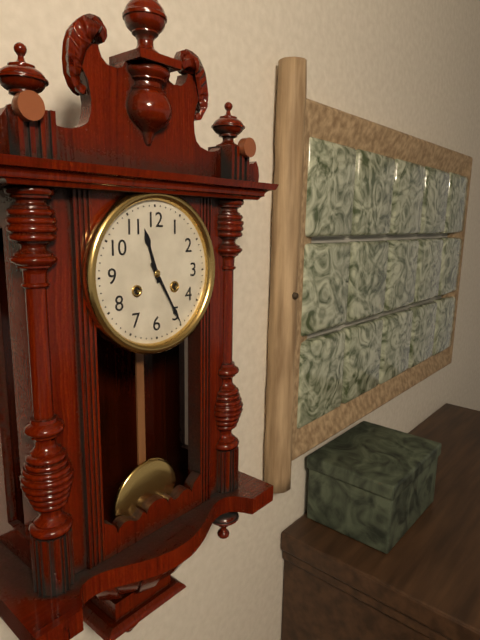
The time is **11:25**
